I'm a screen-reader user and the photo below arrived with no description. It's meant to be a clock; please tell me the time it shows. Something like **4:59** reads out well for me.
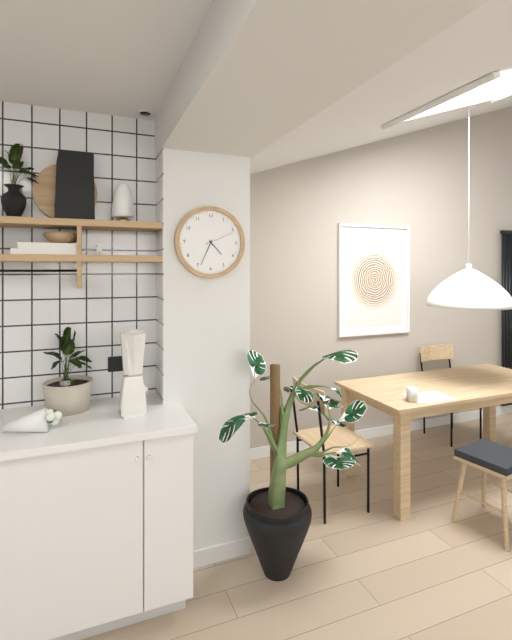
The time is **4:34**
